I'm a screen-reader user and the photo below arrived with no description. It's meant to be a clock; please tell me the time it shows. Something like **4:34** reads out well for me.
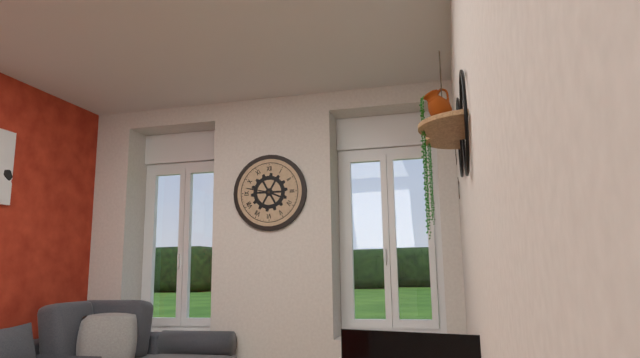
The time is **3:47**
